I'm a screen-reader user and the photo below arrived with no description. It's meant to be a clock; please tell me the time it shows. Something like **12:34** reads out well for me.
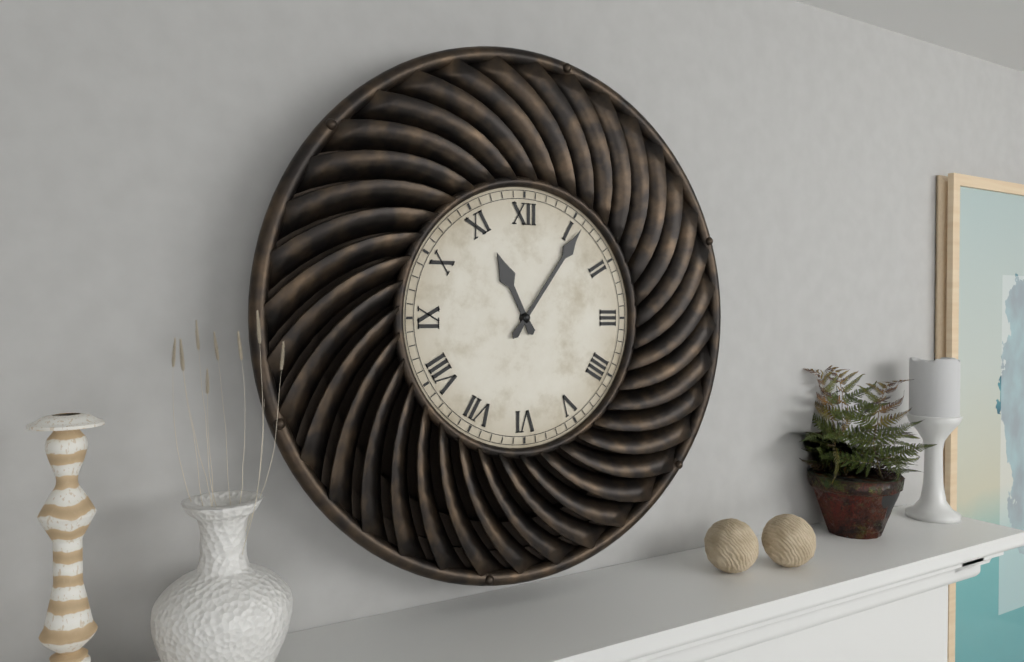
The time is **11:06**
